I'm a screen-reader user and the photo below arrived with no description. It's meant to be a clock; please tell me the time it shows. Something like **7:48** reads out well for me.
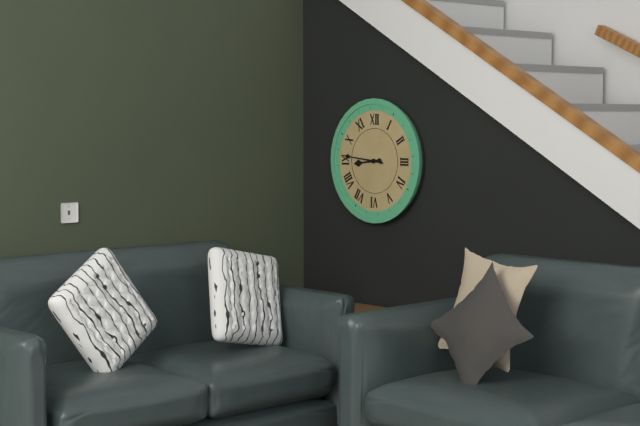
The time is **8:46**
